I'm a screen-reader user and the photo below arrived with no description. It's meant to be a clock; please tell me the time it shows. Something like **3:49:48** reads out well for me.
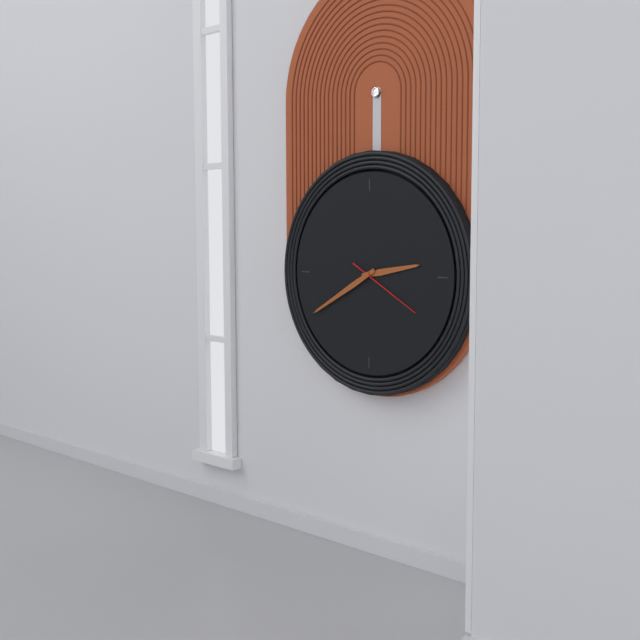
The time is **2:40:20**
